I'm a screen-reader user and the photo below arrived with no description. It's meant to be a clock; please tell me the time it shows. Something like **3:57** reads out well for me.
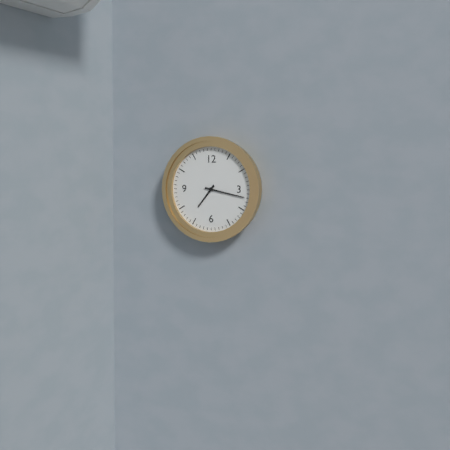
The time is **7:17**
